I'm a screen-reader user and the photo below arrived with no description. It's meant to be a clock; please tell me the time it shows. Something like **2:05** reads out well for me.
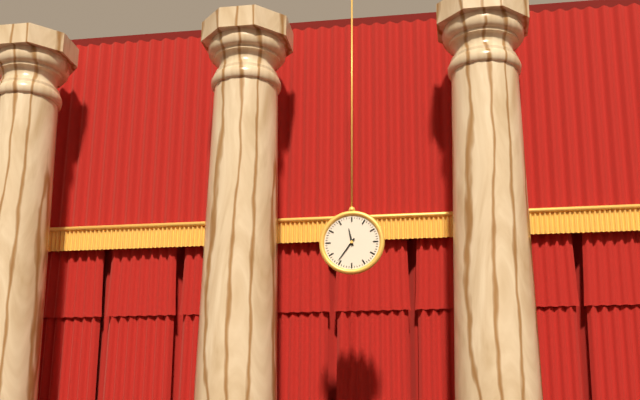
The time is **11:36**
